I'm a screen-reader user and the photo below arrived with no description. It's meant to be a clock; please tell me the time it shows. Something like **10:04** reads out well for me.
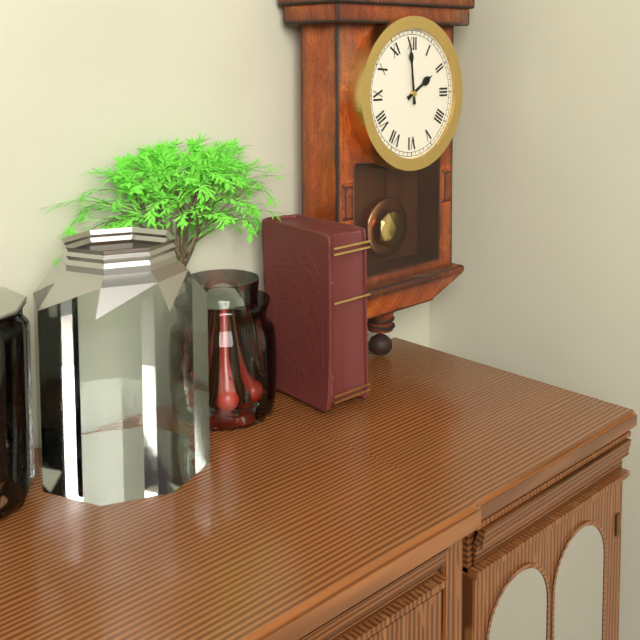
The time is **1:59**
